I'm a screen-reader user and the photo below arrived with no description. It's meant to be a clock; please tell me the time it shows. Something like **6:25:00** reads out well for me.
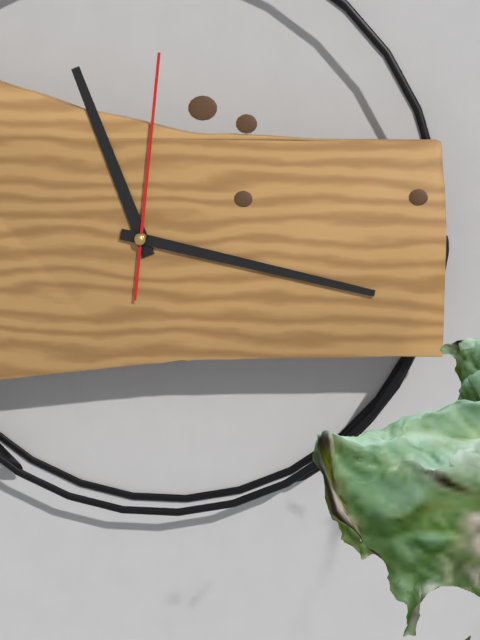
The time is **11:17:01**
